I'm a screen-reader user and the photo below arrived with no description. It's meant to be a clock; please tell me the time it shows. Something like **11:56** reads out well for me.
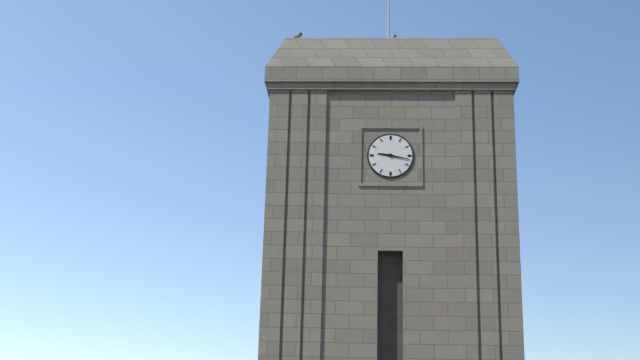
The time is **9:17**
